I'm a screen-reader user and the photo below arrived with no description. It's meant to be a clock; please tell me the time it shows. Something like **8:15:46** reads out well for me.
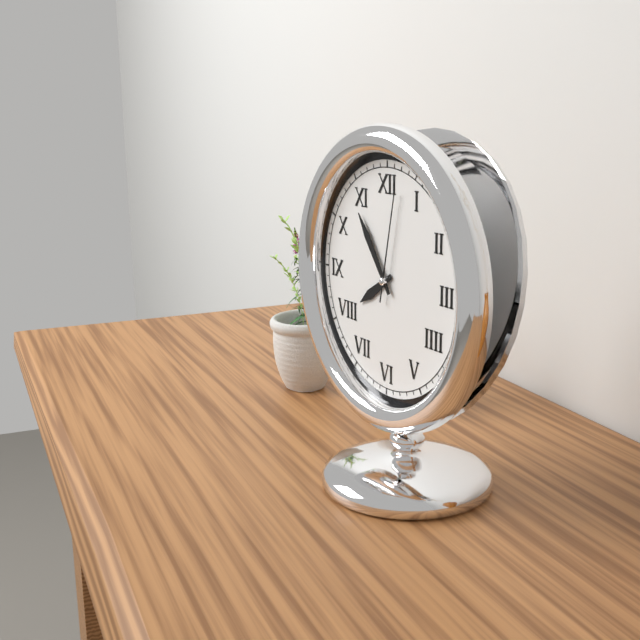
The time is **7:54:02**
